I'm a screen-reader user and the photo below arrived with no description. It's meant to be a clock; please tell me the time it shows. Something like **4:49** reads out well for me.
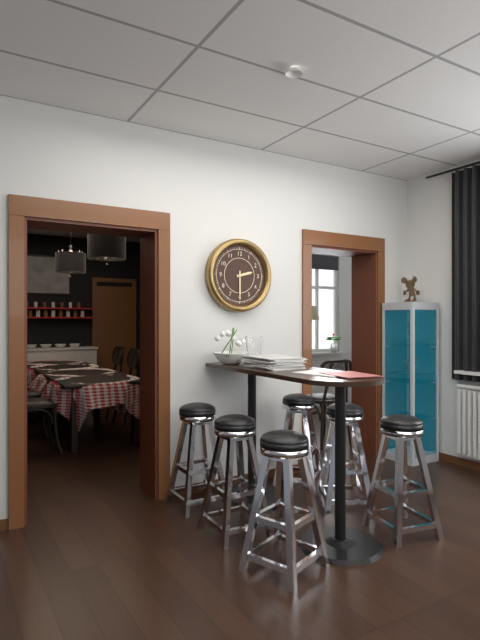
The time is **2:30**
